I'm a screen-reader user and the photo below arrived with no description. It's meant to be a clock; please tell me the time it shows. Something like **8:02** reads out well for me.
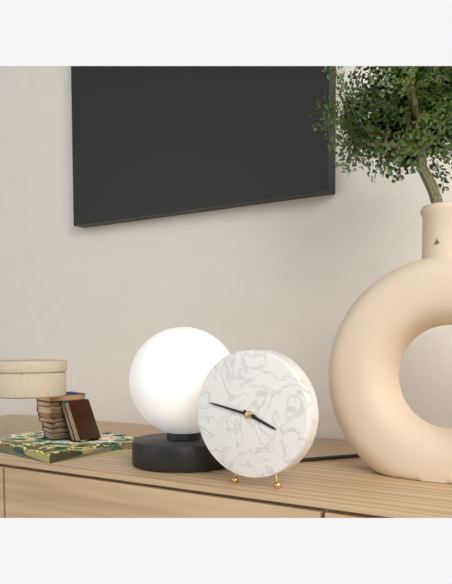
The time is **3:47**
